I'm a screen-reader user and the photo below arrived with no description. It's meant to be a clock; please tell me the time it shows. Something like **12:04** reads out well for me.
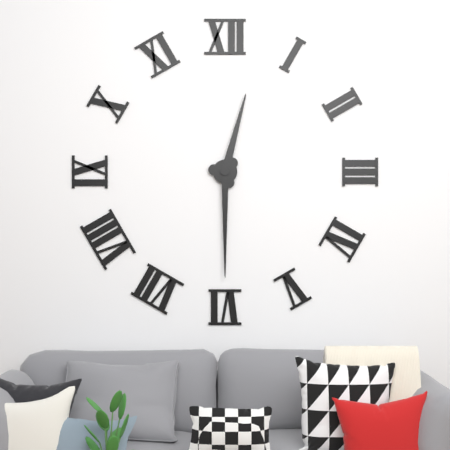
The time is **12:30**
